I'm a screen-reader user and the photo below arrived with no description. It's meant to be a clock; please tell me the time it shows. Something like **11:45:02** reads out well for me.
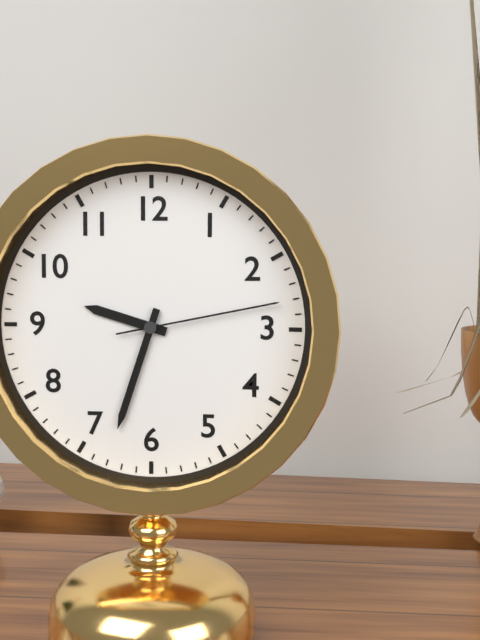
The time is **9:33:13**
